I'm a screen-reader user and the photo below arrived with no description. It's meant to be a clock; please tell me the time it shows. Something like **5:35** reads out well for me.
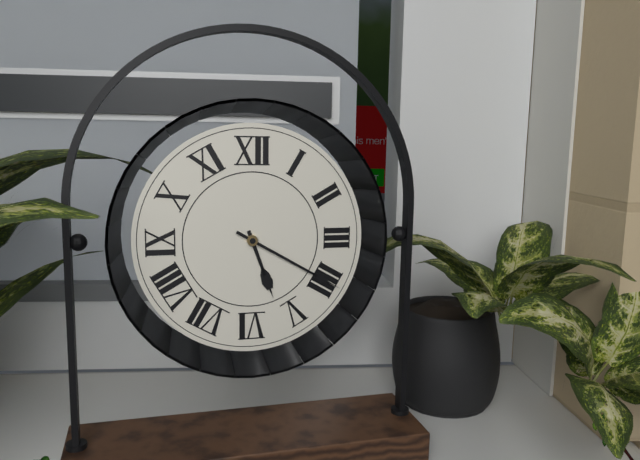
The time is **5:20**
